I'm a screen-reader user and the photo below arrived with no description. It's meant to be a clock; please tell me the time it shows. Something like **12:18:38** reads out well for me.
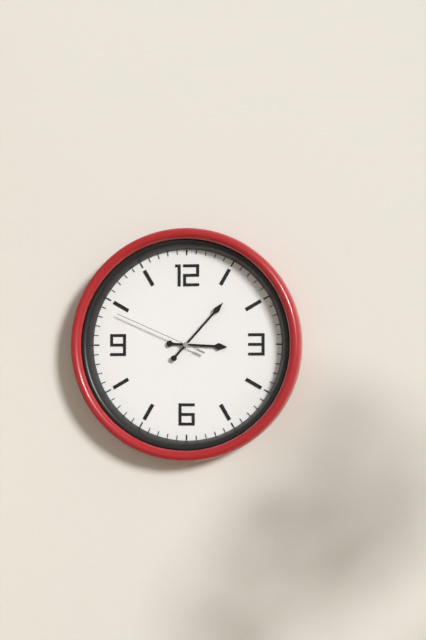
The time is **3:07:49**
